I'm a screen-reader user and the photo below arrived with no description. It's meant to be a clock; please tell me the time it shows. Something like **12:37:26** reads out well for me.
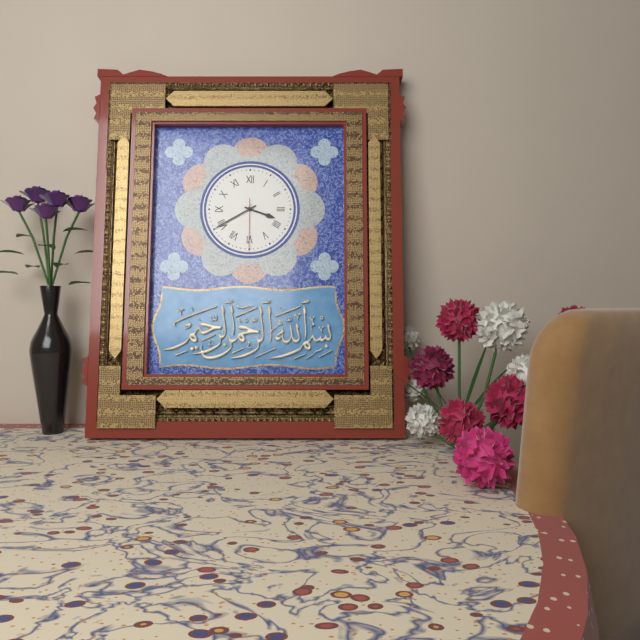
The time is **3:40:30**
